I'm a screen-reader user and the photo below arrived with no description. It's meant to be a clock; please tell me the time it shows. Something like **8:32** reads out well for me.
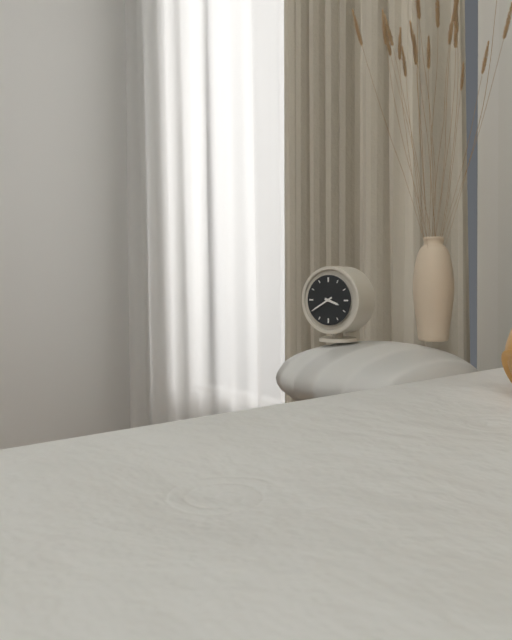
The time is **3:40**
